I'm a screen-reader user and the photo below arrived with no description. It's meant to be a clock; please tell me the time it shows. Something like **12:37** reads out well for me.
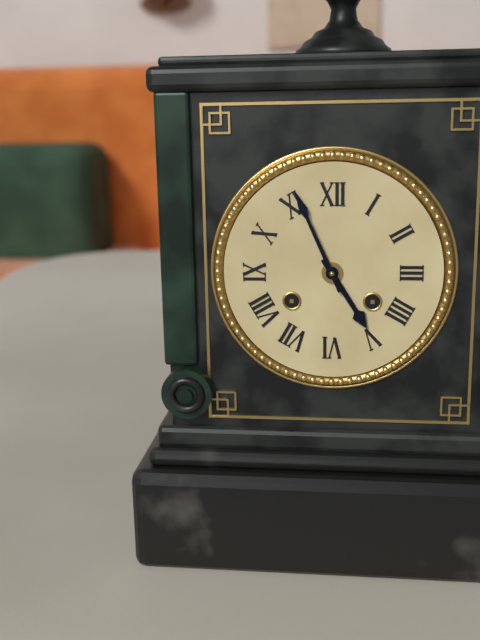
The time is **4:56**
